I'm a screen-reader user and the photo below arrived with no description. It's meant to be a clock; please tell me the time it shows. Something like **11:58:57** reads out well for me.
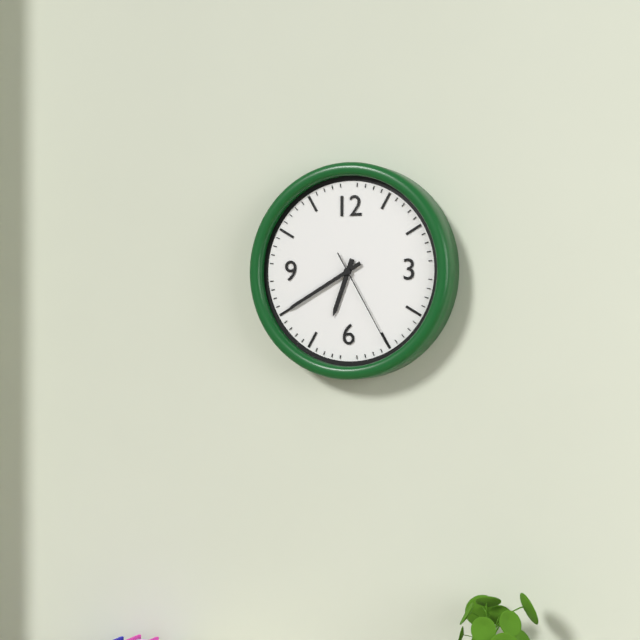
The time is **6:40:25**
